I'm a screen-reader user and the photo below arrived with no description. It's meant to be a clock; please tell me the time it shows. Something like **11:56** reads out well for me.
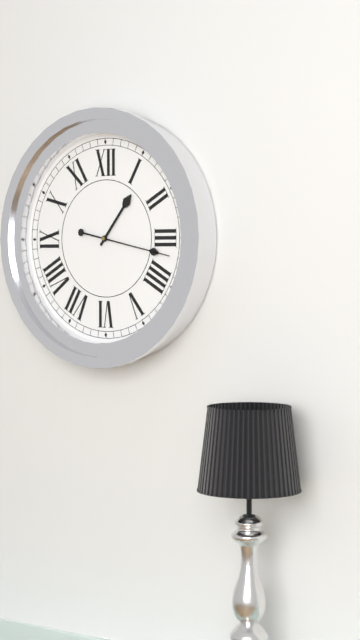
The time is **1:17**
